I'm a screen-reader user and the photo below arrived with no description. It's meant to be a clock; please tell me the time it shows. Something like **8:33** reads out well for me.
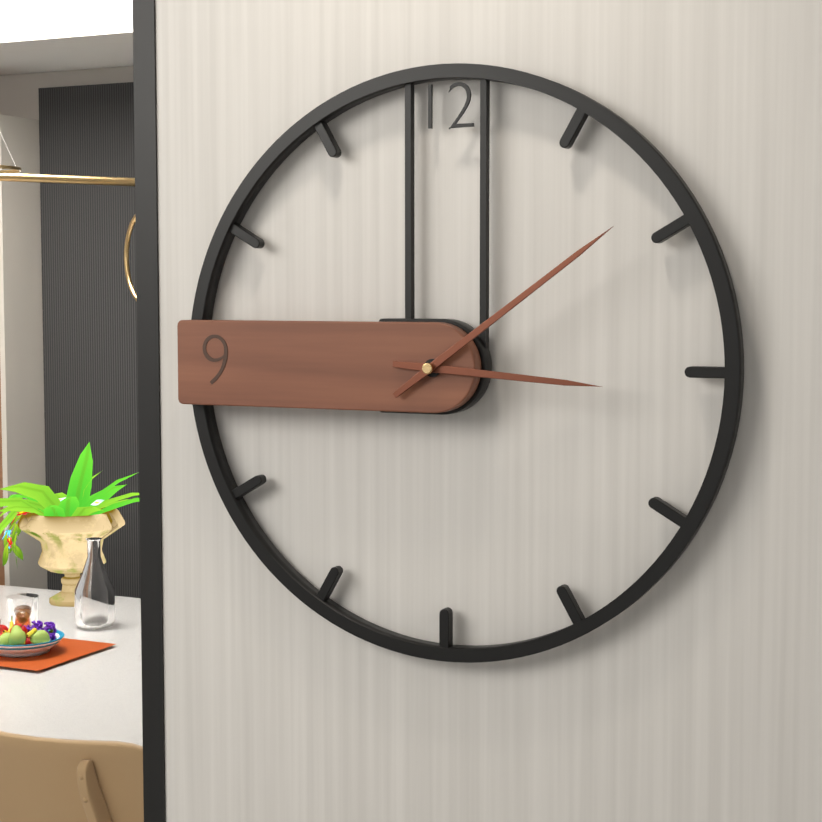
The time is **3:09**
